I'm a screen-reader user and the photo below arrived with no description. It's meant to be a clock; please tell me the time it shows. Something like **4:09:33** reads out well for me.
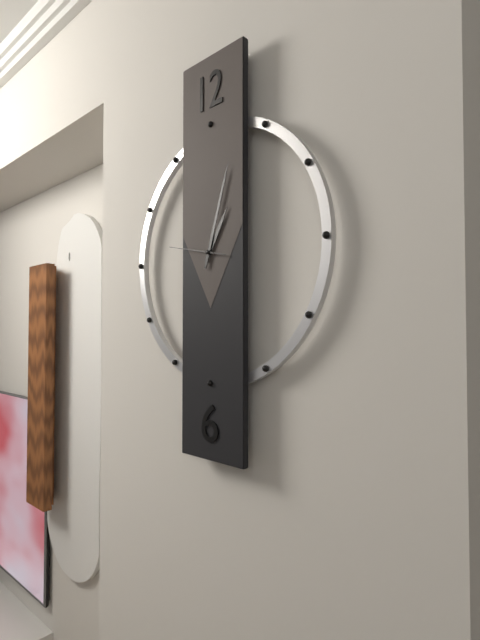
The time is **1:03:47**
